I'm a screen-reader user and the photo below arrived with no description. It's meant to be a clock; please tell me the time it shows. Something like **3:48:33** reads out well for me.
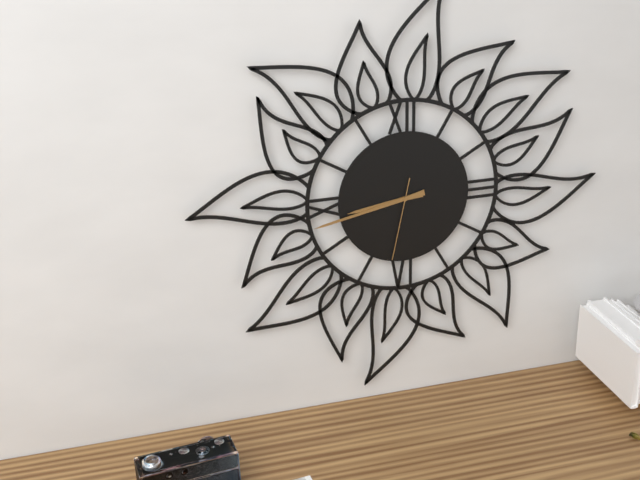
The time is **8:43:32**
